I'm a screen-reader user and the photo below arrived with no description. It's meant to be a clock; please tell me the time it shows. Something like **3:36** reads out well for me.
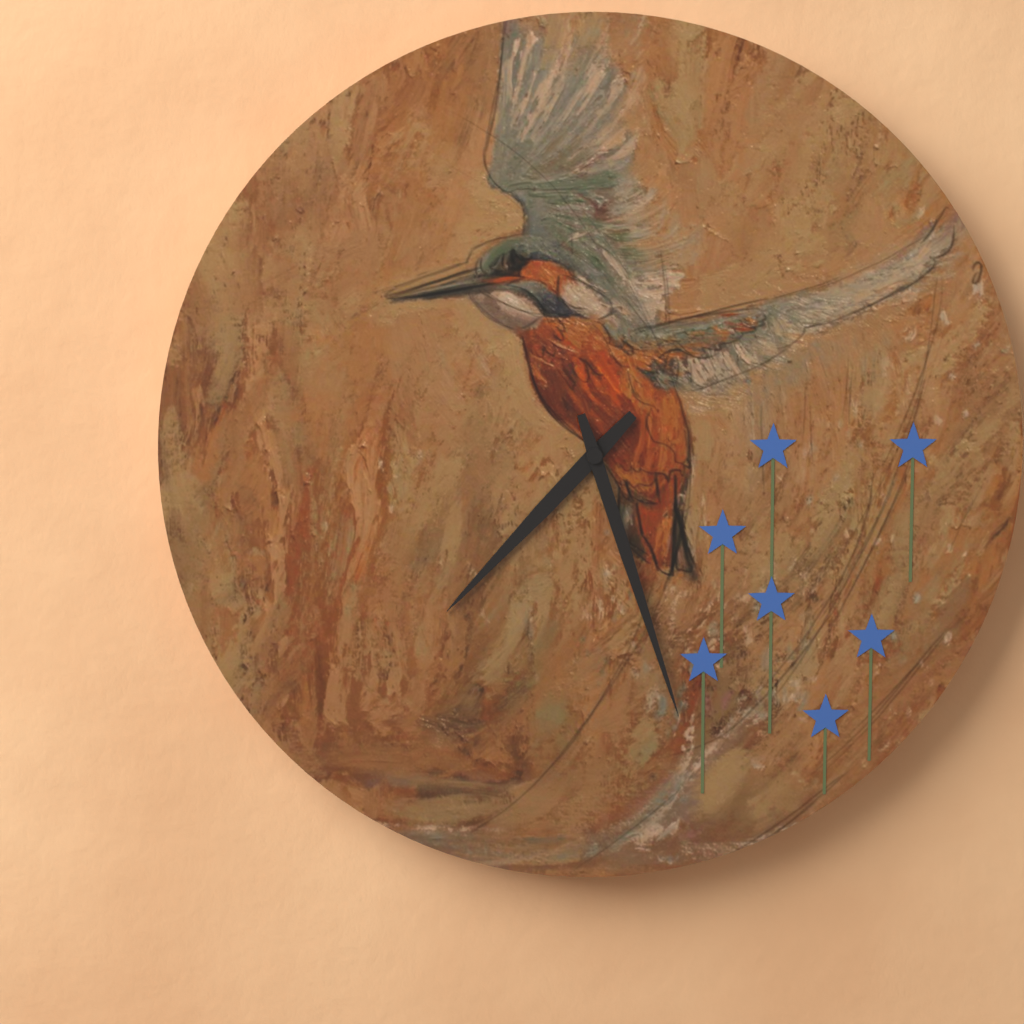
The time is **7:27**
